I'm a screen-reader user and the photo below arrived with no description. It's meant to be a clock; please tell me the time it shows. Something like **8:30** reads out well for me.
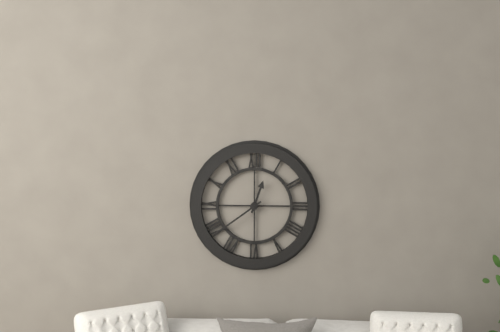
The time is **12:39**
